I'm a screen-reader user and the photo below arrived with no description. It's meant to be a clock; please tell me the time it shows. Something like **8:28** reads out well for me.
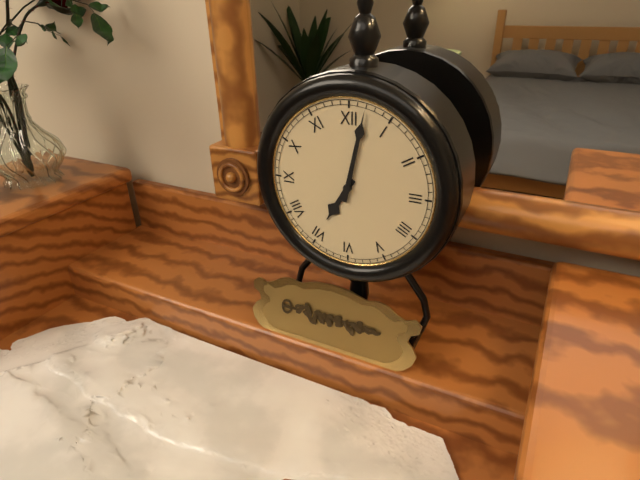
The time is **7:02**
